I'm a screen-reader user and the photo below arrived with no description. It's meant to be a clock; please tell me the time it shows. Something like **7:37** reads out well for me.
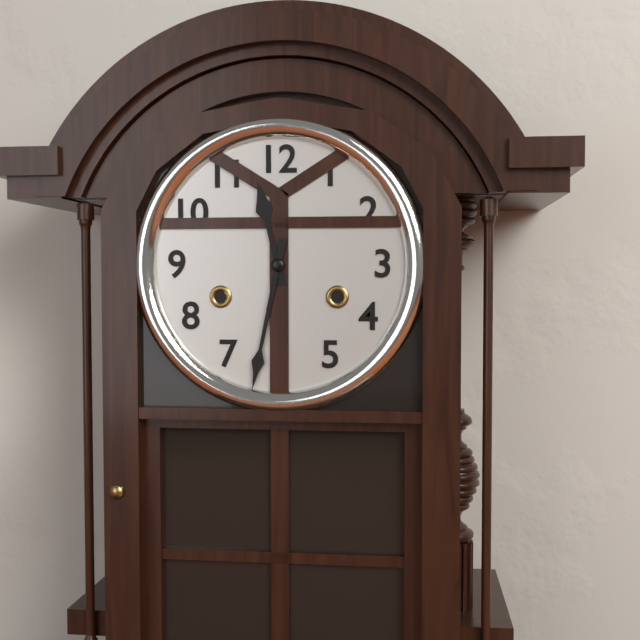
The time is **11:32**
